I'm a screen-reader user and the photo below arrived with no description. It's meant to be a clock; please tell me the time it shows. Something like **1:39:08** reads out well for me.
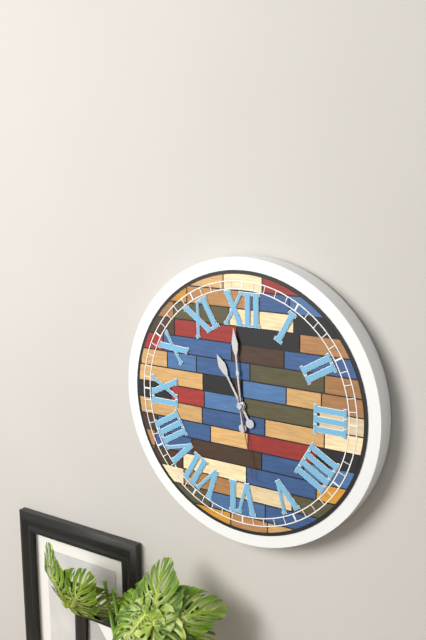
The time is **10:59:28**
